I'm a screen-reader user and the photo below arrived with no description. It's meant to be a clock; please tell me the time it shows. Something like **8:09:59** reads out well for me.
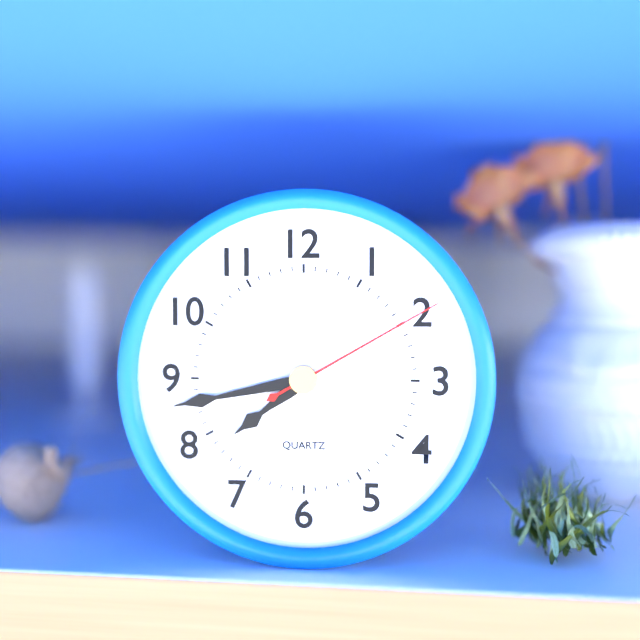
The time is **7:43:10**
